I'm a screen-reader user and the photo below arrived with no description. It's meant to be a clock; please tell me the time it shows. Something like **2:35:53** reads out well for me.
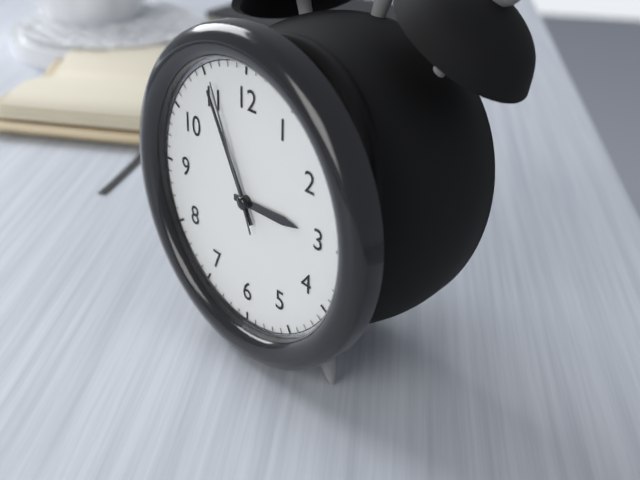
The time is **2:55:56**
